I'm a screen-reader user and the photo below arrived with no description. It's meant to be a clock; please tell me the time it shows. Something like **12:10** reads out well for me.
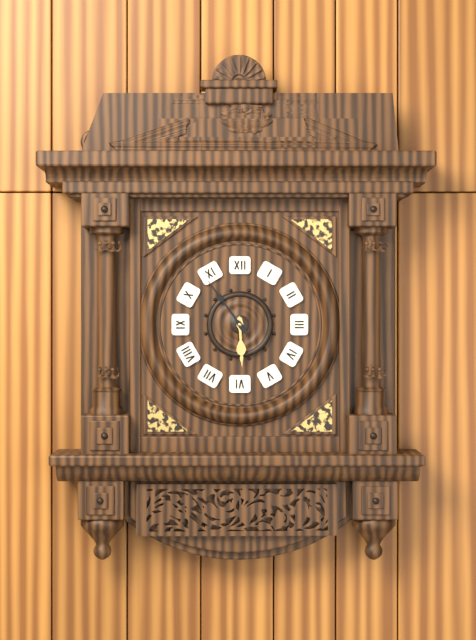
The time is **5:54**
